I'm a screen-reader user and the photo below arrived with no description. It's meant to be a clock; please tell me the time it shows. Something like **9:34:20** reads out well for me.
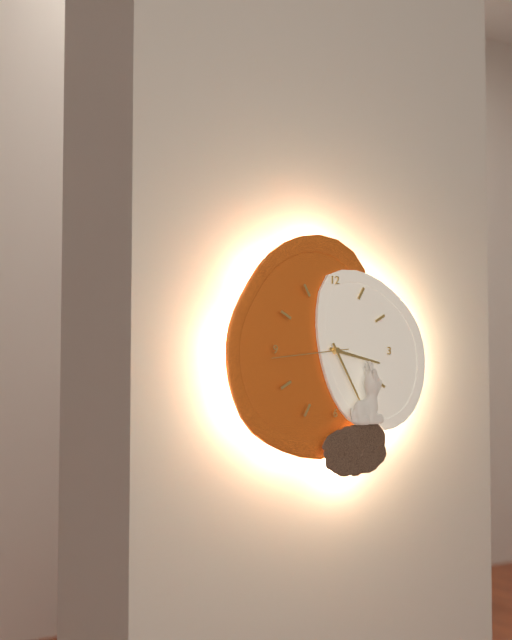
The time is **3:25:44**
